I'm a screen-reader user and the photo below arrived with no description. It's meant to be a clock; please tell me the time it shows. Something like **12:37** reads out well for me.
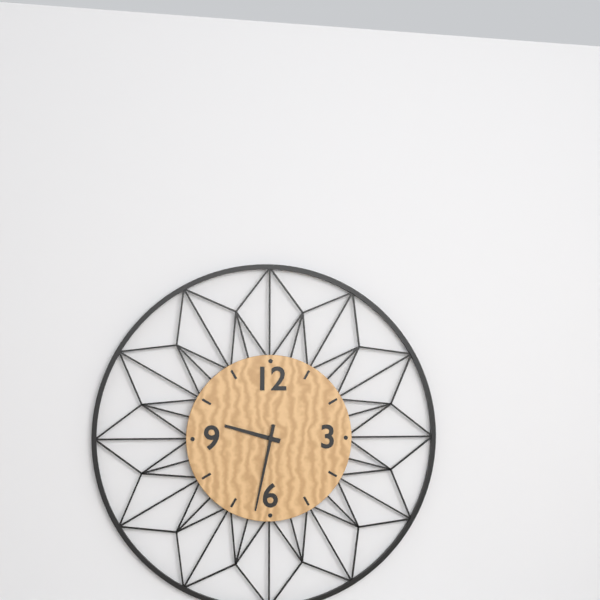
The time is **9:32**
